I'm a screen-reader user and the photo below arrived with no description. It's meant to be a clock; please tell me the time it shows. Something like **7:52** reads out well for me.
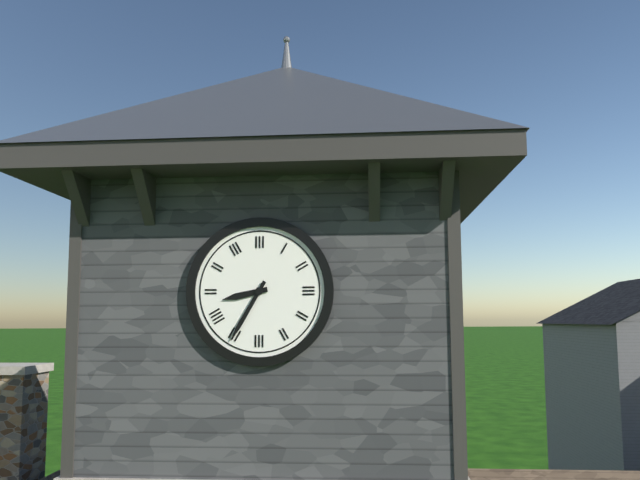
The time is **8:35**
